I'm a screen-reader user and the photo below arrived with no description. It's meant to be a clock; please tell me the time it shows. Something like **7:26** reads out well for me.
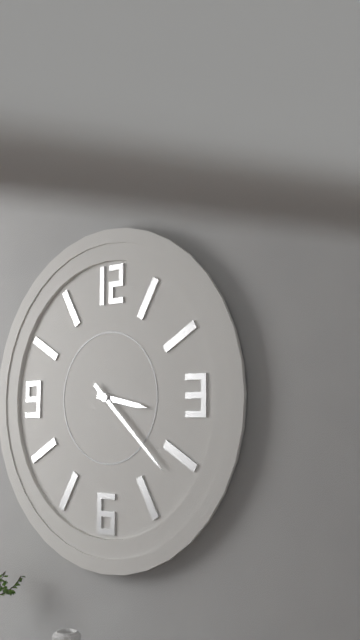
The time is **3:22**
